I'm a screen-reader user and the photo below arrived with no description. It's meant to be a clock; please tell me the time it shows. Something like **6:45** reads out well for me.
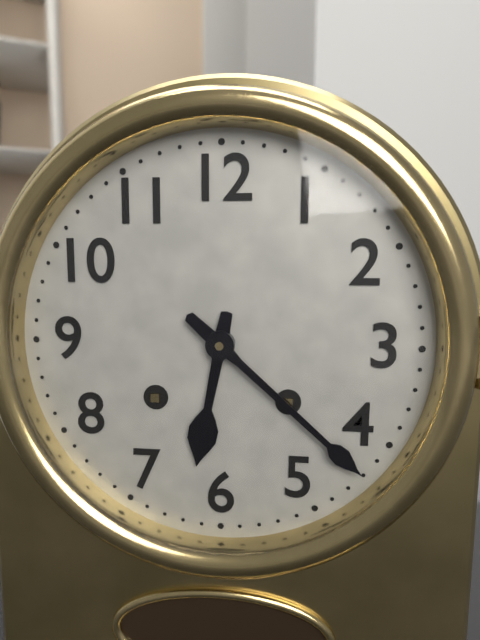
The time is **6:22**
